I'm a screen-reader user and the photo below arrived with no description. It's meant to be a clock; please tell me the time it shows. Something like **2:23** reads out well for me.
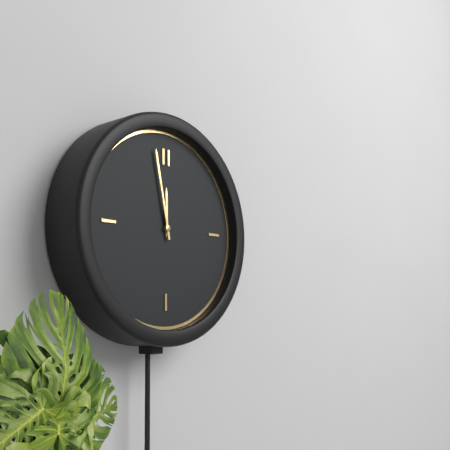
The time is **11:58**
